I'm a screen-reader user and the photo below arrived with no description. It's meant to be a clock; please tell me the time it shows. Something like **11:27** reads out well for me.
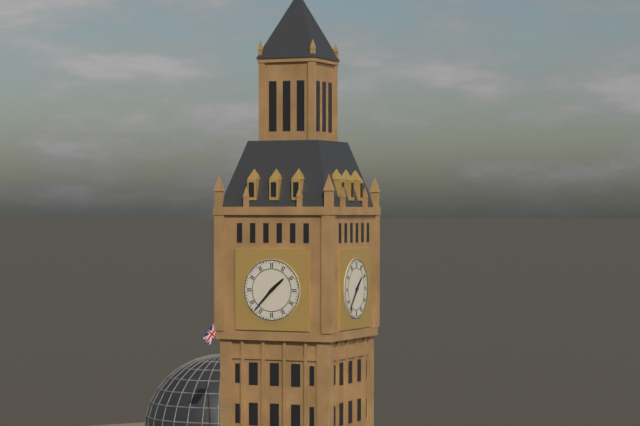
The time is **1:37**
